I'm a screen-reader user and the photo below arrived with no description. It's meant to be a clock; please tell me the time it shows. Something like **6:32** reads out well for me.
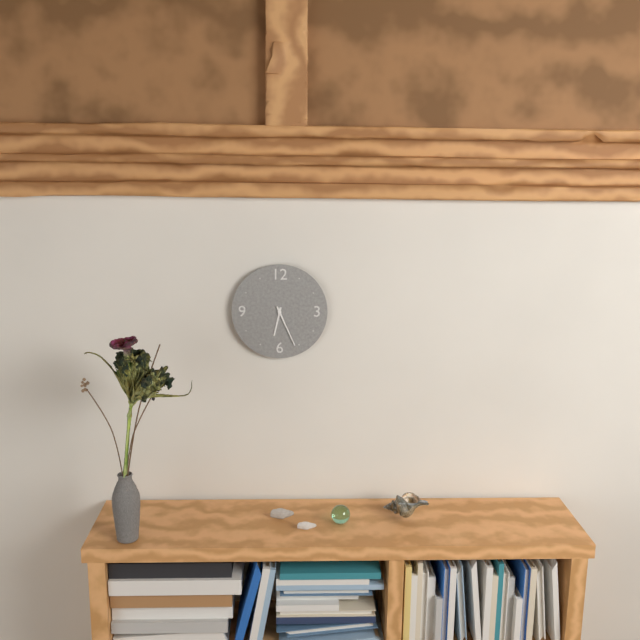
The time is **6:26**
